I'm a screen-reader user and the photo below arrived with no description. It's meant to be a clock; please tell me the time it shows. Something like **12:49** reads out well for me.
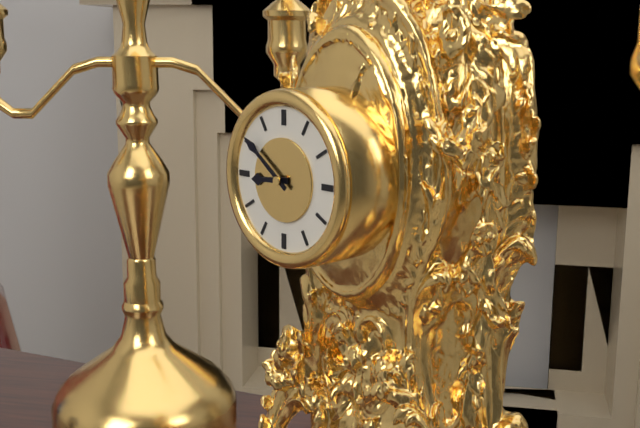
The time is **8:51**
